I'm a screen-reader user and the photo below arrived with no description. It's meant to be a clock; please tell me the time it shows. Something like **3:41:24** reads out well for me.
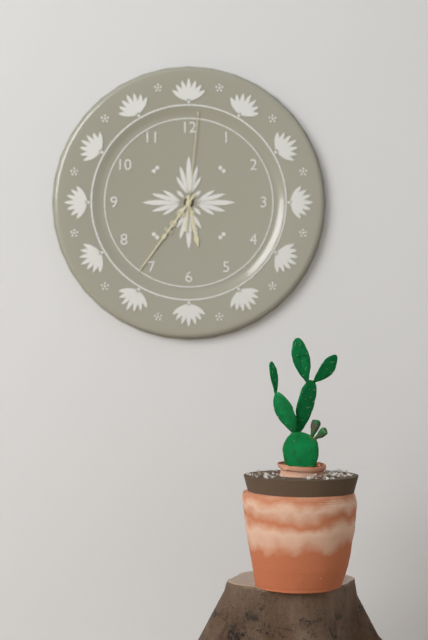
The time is **5:36:01**
